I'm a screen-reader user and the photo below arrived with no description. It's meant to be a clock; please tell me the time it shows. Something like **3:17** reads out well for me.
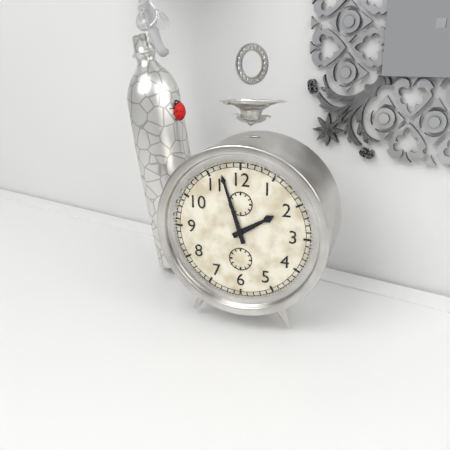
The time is **1:57**
